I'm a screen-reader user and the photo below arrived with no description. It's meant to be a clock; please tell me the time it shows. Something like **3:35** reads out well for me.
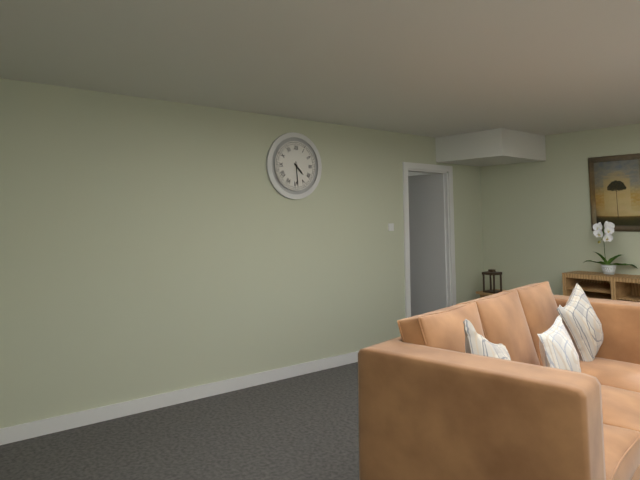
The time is **4:29**
